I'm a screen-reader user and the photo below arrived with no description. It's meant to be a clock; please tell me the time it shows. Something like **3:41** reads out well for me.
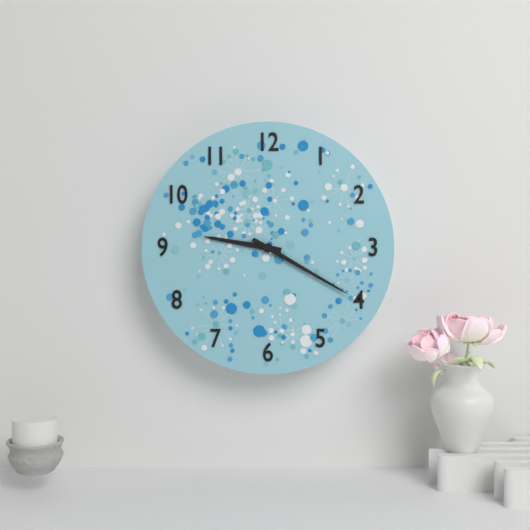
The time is **9:20**
